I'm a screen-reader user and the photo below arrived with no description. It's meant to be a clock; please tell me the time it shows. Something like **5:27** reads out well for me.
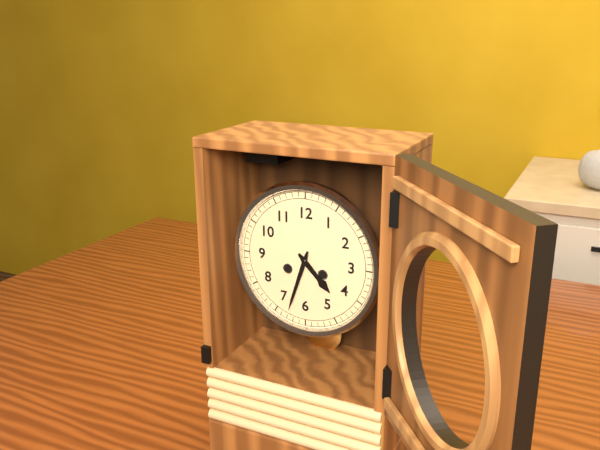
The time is **4:33**
